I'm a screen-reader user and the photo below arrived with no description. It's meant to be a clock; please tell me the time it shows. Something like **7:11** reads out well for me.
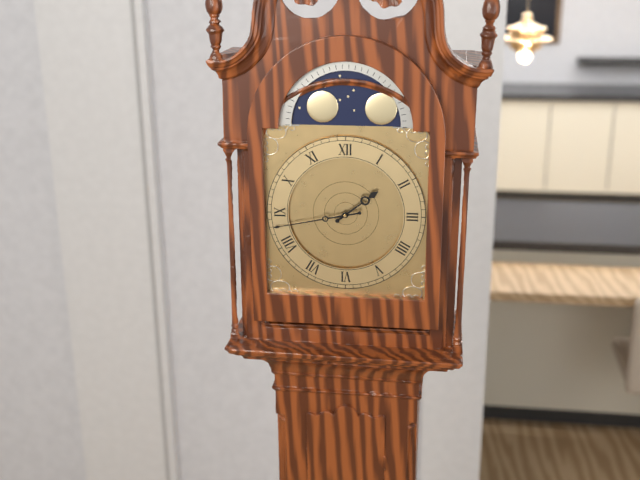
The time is **1:43**
